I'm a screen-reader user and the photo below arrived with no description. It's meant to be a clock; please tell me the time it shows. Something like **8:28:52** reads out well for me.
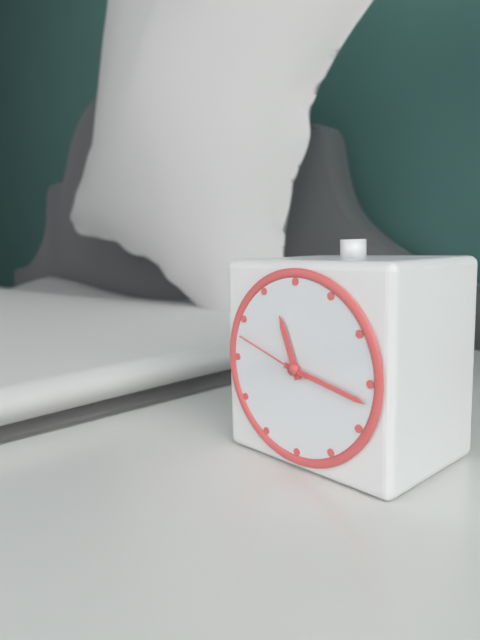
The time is **11:17:48**
